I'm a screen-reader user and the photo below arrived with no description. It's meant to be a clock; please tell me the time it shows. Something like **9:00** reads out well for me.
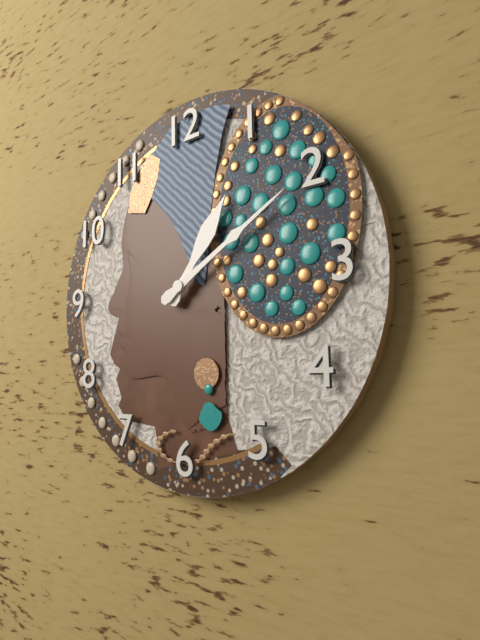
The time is **1:10**
